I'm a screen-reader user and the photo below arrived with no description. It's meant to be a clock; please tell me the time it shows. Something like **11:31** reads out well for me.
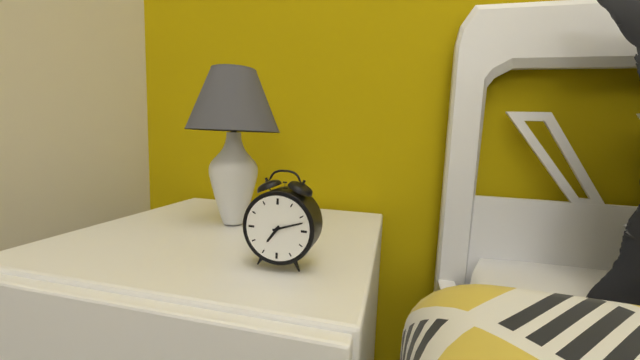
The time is **7:12**
